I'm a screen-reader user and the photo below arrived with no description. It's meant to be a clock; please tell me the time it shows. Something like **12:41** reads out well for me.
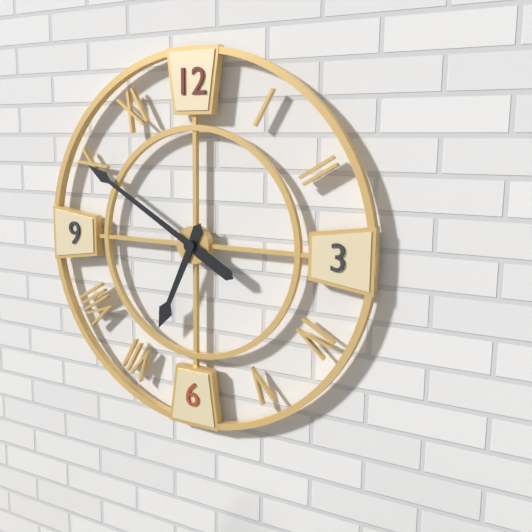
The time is **6:50**
